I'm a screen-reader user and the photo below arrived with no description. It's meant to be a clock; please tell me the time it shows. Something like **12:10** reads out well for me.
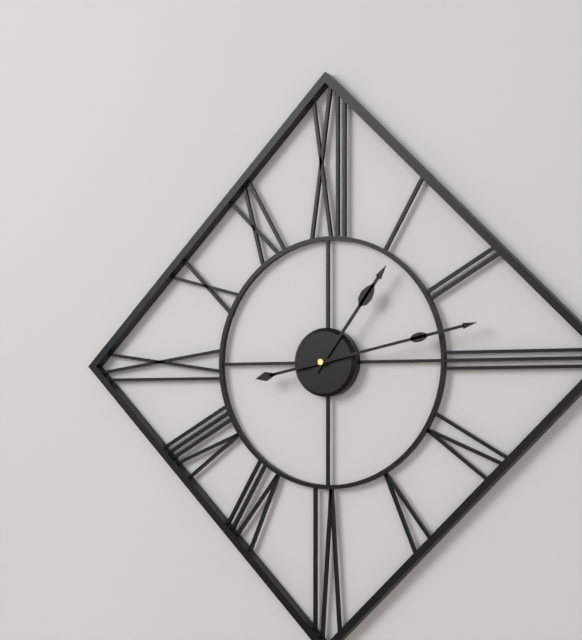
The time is **1:13**
